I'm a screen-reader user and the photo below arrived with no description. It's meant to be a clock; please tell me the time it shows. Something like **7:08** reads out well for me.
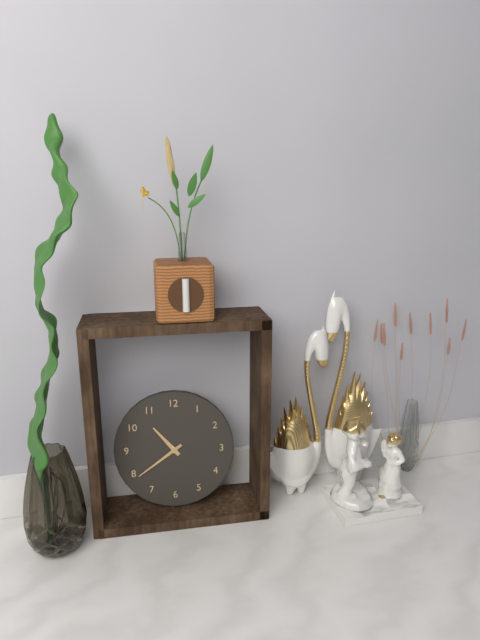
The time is **10:39**
